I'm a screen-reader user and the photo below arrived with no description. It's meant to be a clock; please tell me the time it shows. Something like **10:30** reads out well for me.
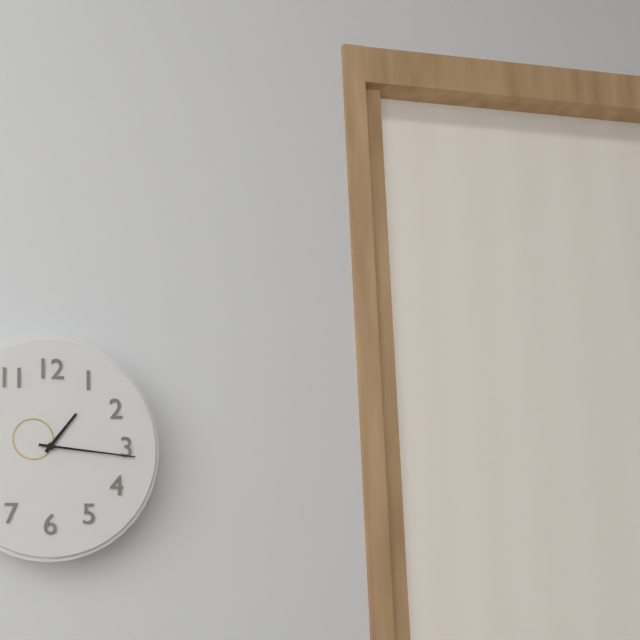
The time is **1:16**
